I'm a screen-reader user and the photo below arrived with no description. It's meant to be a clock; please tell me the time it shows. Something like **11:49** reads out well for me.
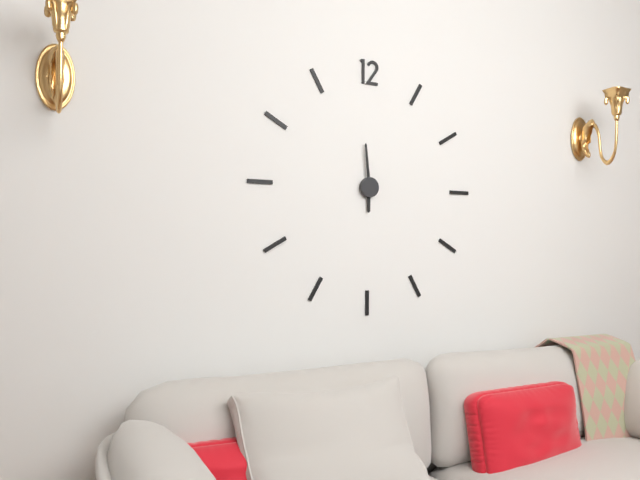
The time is **5:59**
